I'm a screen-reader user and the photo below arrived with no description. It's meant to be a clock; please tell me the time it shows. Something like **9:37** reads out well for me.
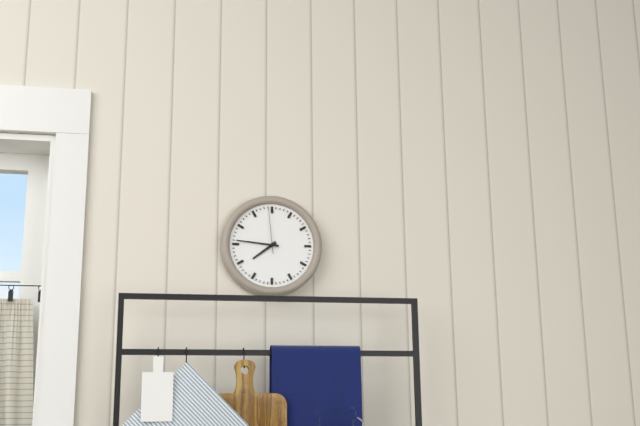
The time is **7:46**
